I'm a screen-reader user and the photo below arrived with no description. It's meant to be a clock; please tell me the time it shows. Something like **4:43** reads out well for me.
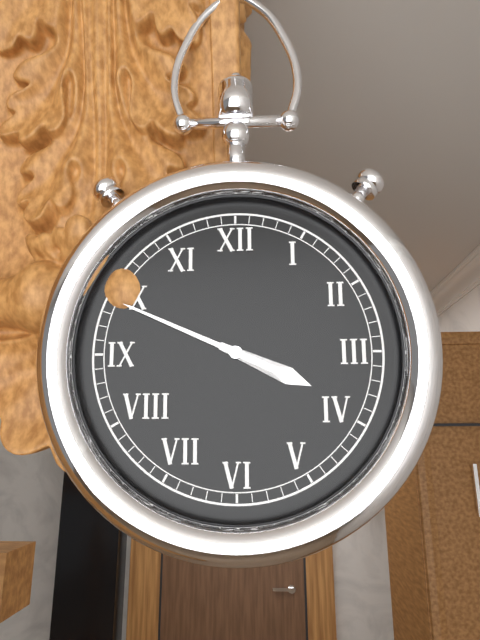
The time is **3:49**
